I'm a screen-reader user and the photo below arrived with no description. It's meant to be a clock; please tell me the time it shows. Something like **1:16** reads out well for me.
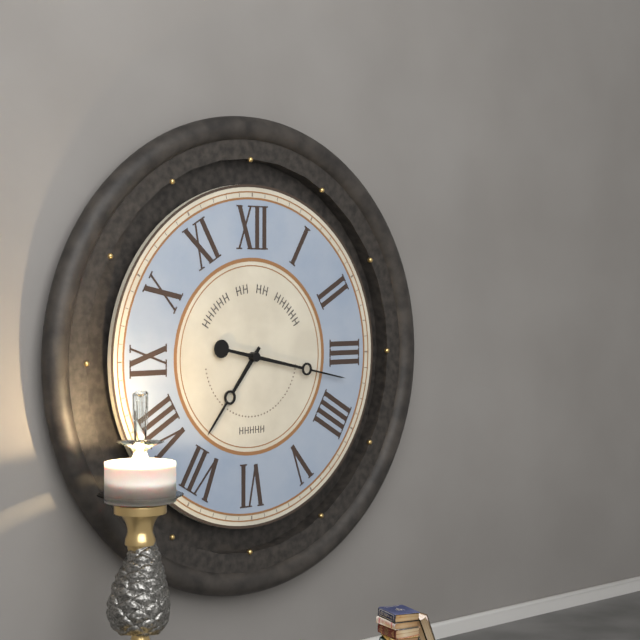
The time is **7:17**
